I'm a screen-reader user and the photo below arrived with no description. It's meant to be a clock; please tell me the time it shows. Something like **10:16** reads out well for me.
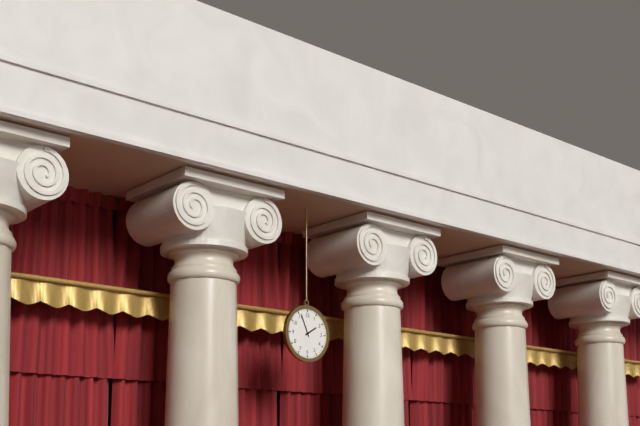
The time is **1:56**
